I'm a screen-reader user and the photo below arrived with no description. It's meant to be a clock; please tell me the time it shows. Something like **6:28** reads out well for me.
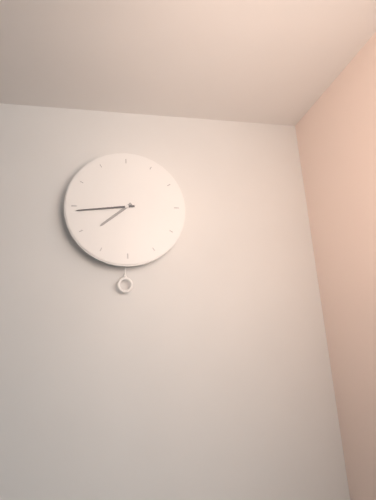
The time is **7:44**
